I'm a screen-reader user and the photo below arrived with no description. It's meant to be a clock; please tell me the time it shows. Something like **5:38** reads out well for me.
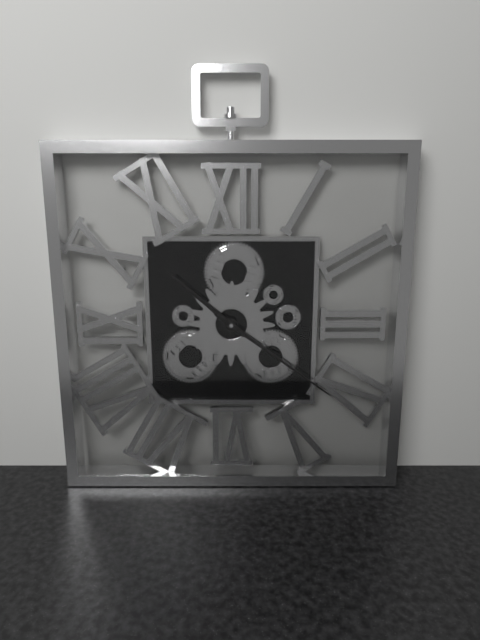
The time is **10:21**
